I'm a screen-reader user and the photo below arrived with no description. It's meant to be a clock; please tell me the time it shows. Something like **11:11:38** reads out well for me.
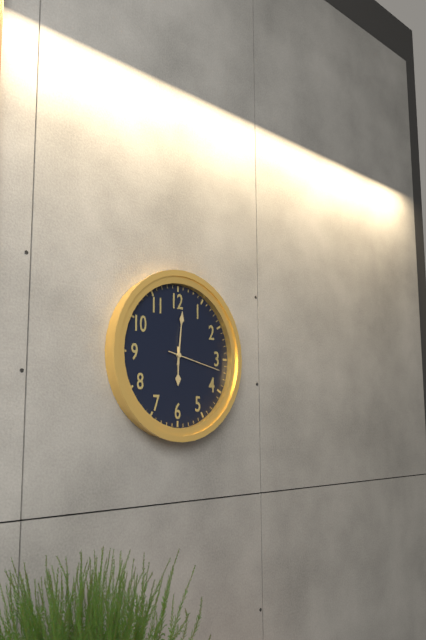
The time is **6:01:17**
